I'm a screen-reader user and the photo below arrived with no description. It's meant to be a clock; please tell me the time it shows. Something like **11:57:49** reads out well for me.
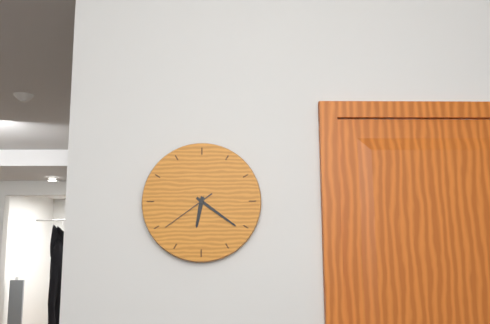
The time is **6:21:39**
